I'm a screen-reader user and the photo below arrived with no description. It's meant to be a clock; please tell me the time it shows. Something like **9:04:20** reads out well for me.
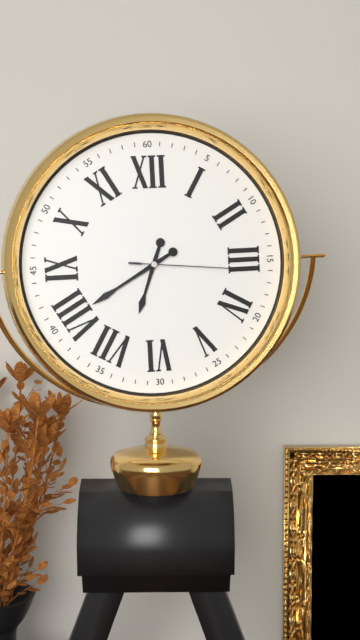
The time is **6:40:16**
